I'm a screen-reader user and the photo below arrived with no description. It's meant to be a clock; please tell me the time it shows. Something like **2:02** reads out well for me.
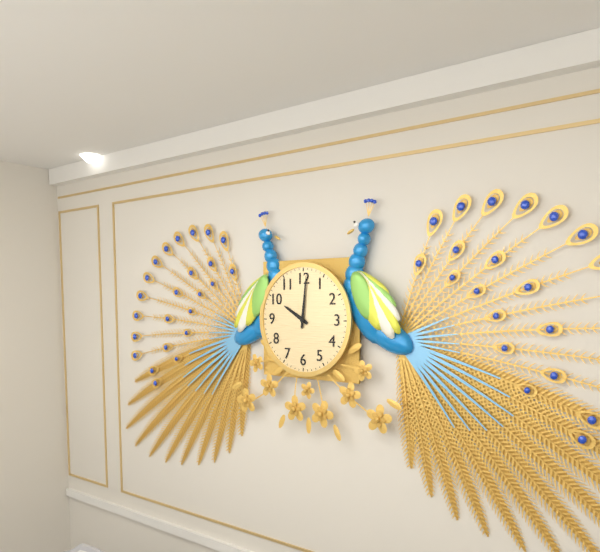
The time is **10:01**
